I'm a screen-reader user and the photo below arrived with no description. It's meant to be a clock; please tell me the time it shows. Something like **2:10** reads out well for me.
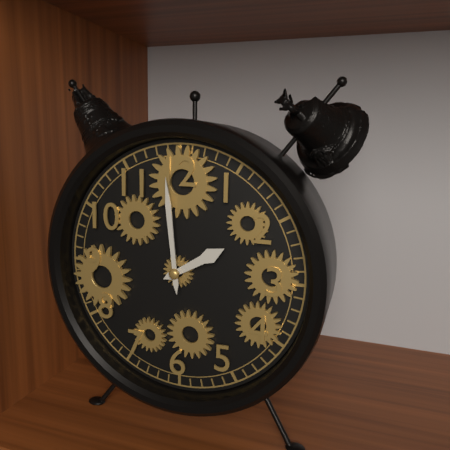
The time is **1:59**
